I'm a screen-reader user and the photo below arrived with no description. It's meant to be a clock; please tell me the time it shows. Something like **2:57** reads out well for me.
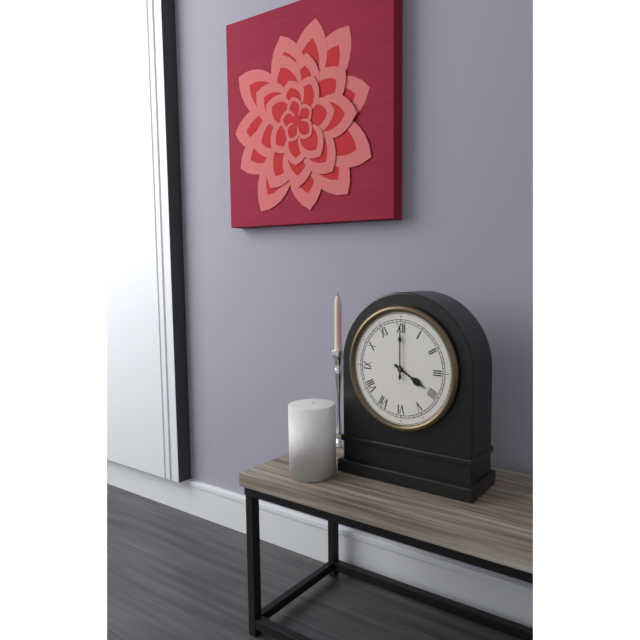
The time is **4:00**
